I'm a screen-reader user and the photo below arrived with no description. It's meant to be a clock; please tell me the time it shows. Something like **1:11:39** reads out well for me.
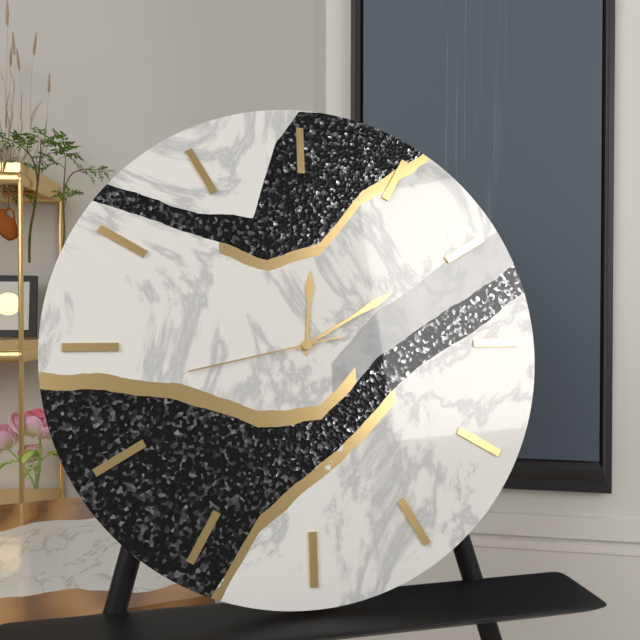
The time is **12:10:43**
